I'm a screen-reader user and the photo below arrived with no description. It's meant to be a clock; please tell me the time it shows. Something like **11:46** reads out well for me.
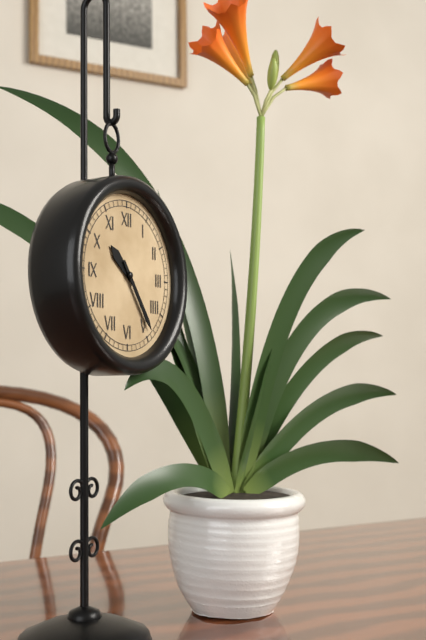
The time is **10:24**
